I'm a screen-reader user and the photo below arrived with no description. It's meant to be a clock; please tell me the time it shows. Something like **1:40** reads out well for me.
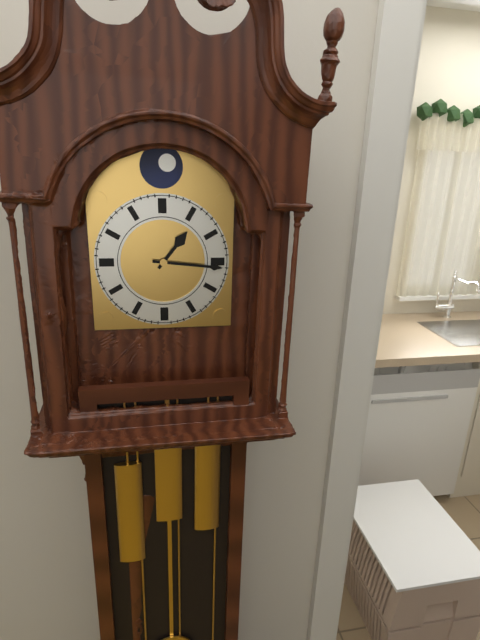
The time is **1:16**
